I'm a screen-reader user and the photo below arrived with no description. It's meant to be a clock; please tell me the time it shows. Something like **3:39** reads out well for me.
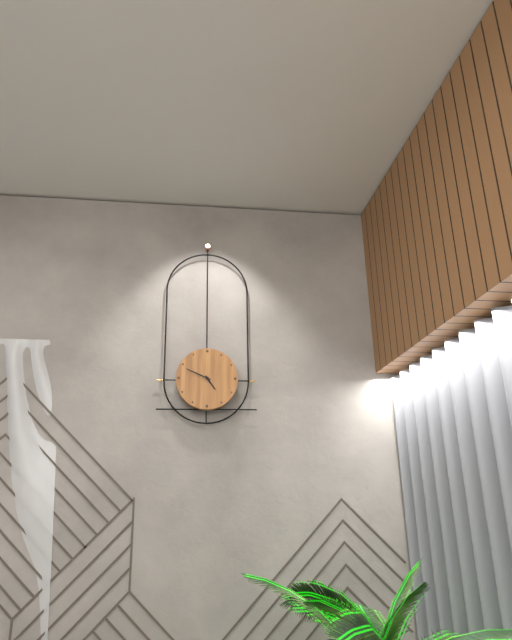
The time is **4:49**
